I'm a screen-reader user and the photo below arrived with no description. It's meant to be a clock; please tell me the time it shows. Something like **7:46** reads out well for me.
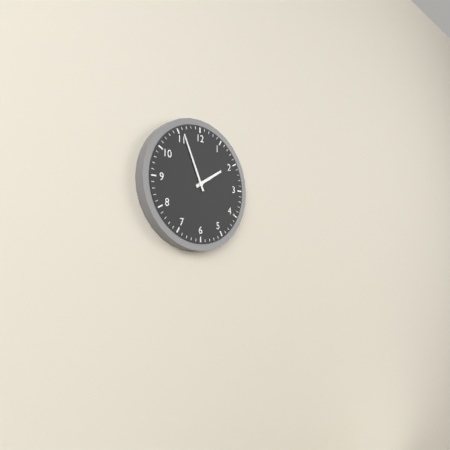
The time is **1:56**
